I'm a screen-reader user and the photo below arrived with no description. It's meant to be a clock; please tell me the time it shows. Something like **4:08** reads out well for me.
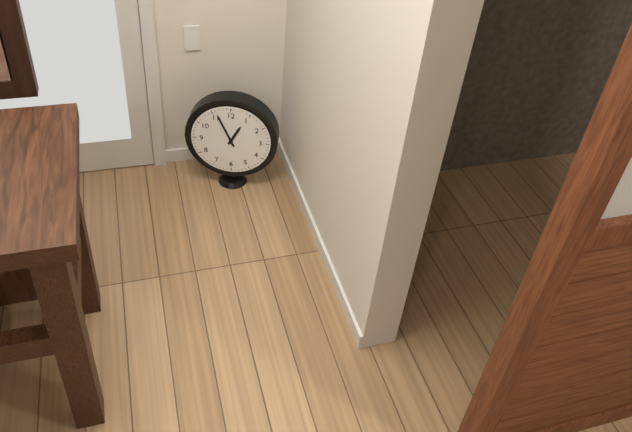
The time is **12:56**
